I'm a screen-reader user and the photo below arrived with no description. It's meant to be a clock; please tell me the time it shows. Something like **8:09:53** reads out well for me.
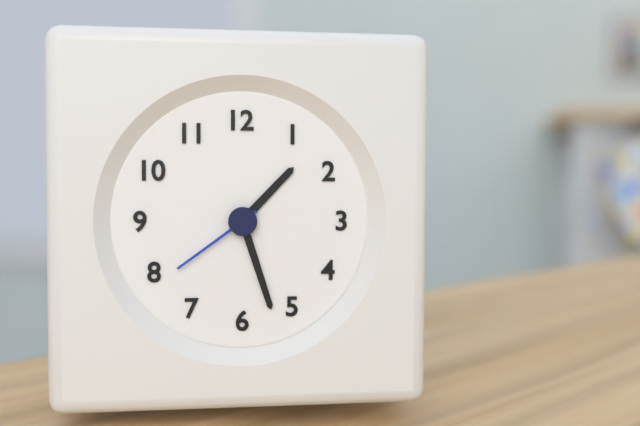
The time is **1:27:39**
